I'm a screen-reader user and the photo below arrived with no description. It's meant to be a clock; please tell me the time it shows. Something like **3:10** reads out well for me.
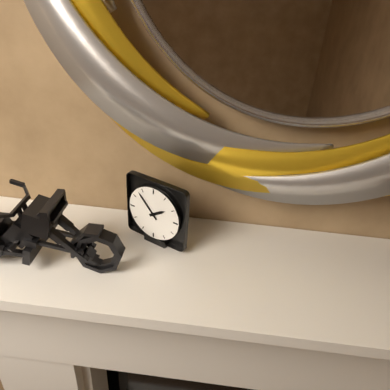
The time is **1:53**
